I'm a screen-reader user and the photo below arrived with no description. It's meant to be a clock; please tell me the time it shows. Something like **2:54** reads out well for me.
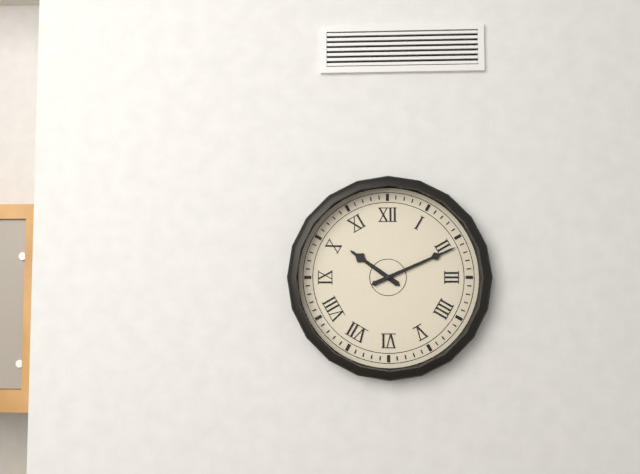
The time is **10:11**
